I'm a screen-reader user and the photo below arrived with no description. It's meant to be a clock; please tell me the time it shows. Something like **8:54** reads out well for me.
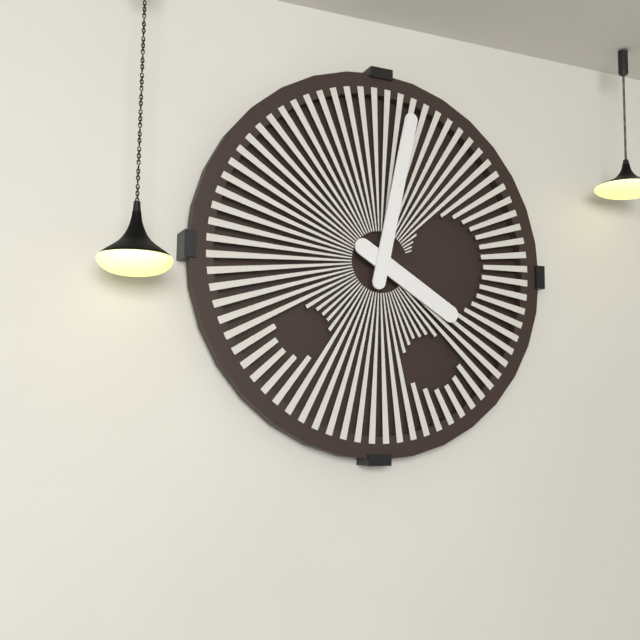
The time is **4:02**
